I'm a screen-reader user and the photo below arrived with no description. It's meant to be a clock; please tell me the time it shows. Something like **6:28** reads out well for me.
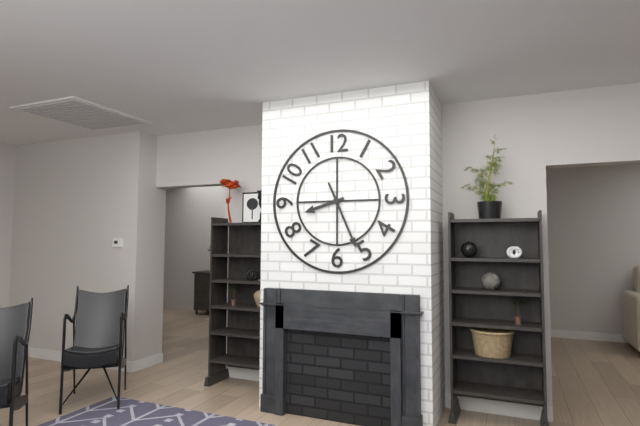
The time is **8:26**
